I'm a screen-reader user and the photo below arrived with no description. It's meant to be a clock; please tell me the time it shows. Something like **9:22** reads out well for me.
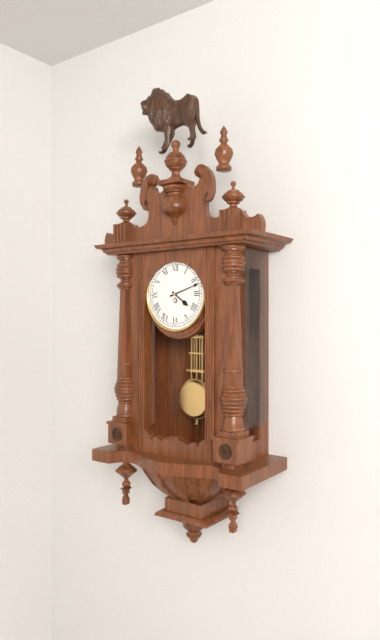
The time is **4:12**
